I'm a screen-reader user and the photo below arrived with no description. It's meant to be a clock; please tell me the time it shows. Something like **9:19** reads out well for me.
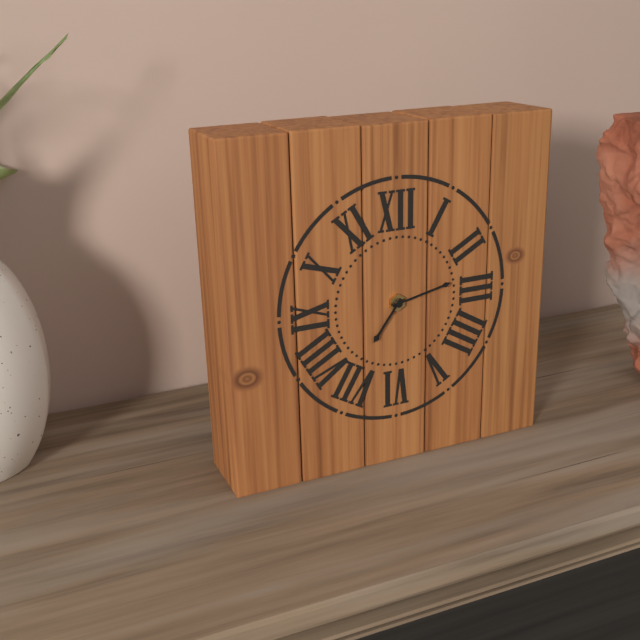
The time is **7:13**
